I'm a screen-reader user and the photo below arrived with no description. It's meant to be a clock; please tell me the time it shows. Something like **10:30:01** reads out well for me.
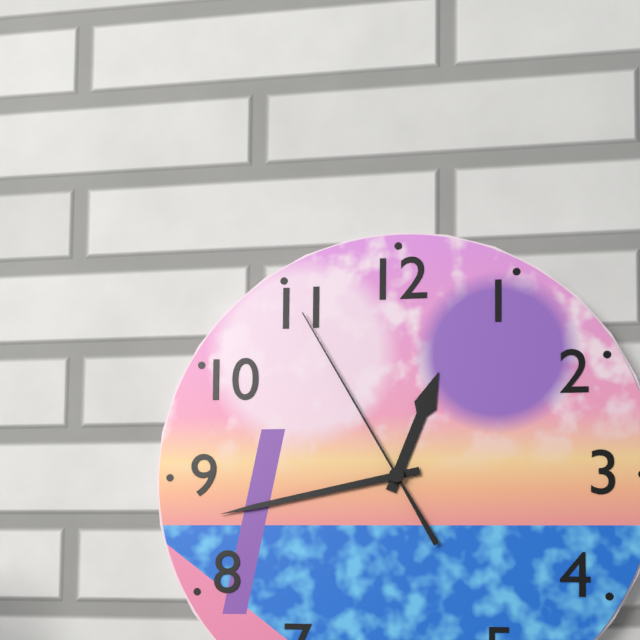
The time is **12:43:55**
